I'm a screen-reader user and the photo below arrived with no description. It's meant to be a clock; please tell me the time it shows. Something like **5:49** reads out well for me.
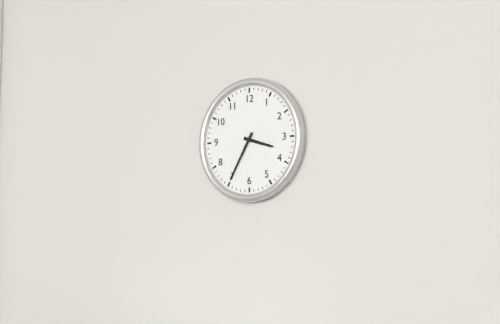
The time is **3:35**
